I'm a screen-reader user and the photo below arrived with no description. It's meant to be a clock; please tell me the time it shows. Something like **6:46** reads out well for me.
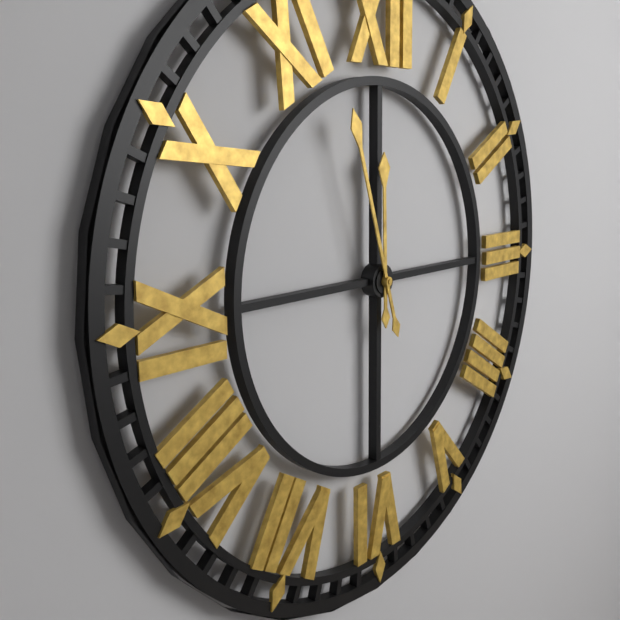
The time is **11:57**
